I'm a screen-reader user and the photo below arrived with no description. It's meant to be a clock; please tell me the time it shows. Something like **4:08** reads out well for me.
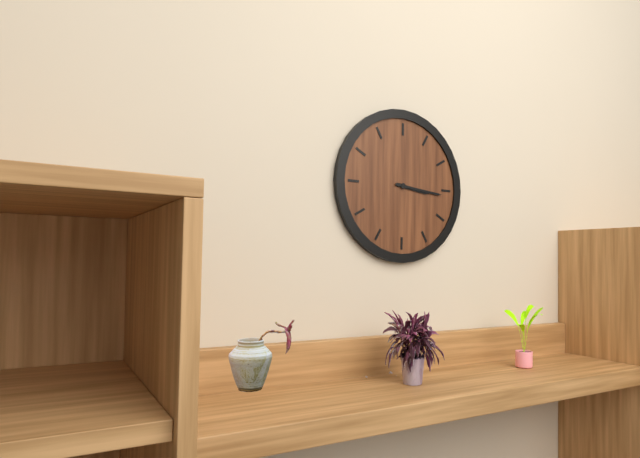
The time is **3:16**
